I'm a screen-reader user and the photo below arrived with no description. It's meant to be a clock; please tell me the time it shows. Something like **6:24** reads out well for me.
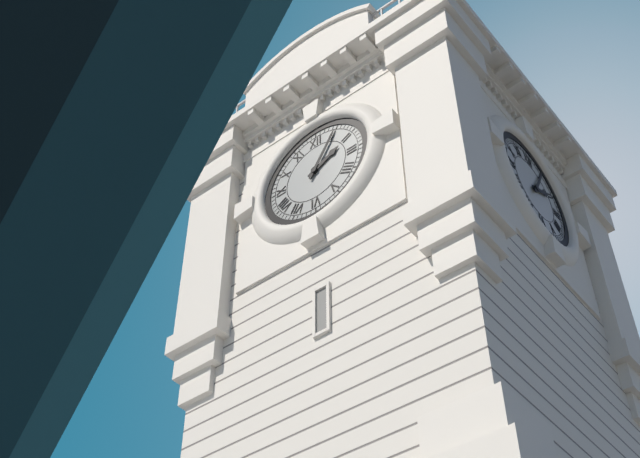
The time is **2:05**
